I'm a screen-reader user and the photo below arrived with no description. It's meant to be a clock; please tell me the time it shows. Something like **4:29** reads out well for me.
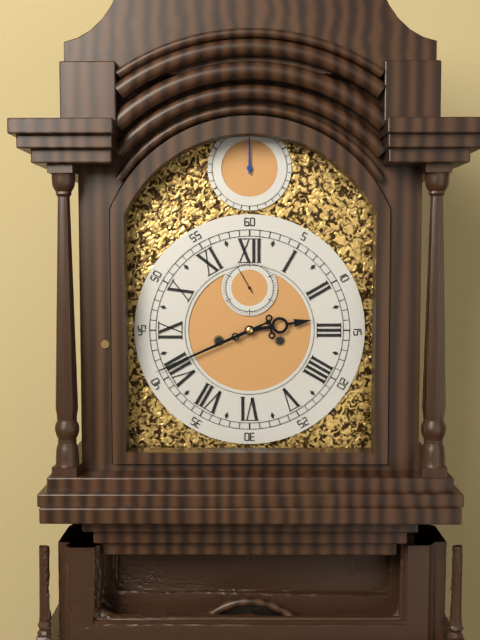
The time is **2:41**
